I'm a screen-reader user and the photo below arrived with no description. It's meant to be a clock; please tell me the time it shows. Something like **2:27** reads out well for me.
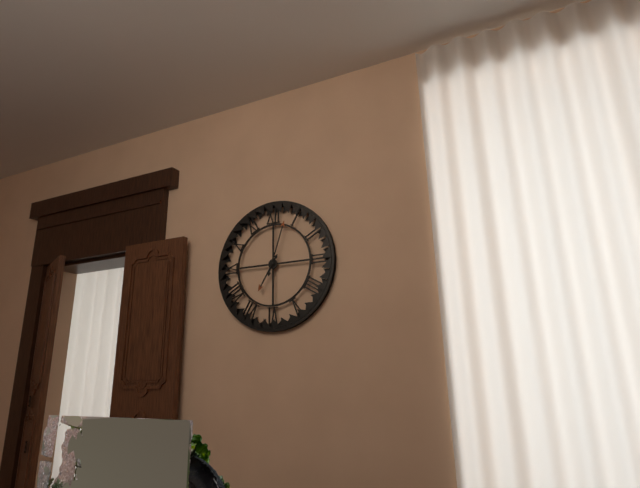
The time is **7:03**
